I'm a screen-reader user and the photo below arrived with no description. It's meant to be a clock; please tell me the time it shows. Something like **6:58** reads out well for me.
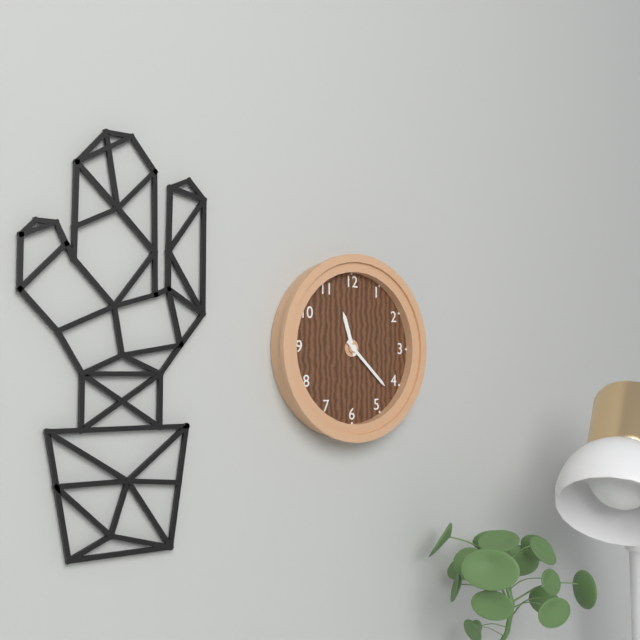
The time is **11:22**
